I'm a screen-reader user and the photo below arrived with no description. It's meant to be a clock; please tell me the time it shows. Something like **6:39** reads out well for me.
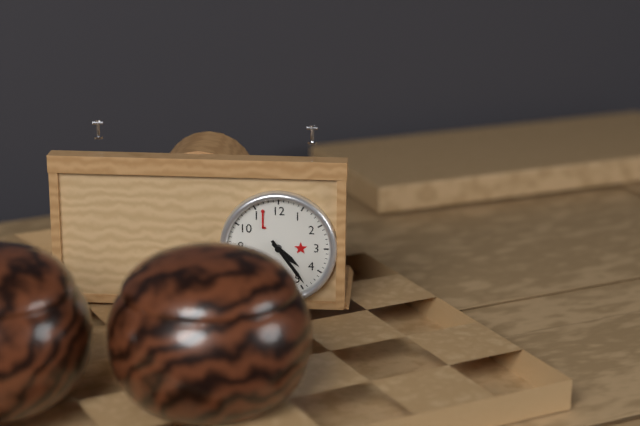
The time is **4:24**
